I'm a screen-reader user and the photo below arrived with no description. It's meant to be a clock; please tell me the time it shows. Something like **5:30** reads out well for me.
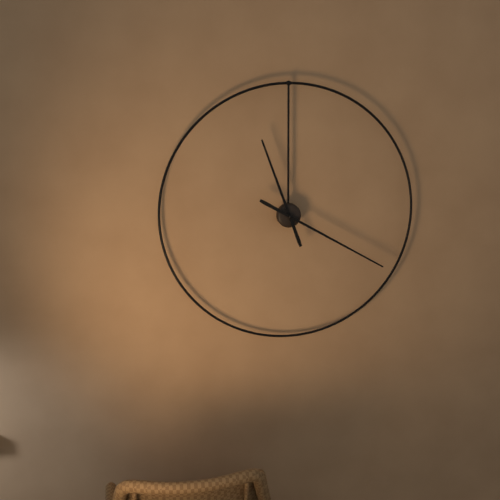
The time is **11:20**
